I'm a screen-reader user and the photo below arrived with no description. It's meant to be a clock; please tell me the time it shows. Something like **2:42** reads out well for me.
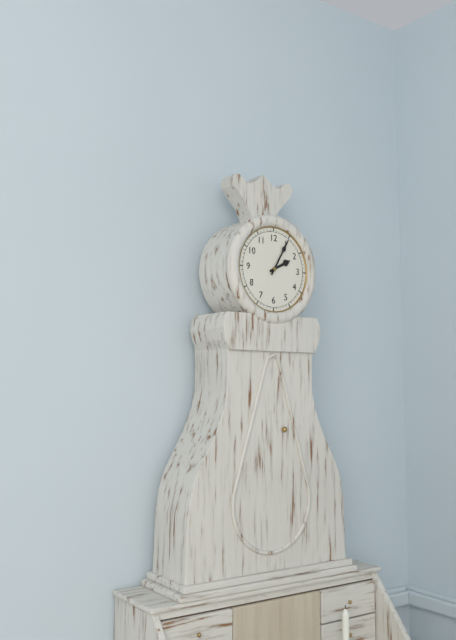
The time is **2:05**
